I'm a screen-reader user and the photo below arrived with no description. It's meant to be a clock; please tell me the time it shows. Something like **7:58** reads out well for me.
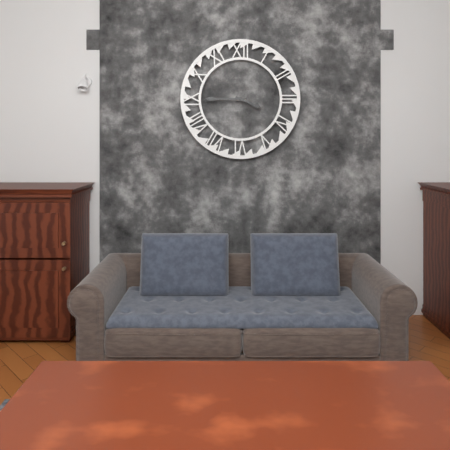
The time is **3:45**
